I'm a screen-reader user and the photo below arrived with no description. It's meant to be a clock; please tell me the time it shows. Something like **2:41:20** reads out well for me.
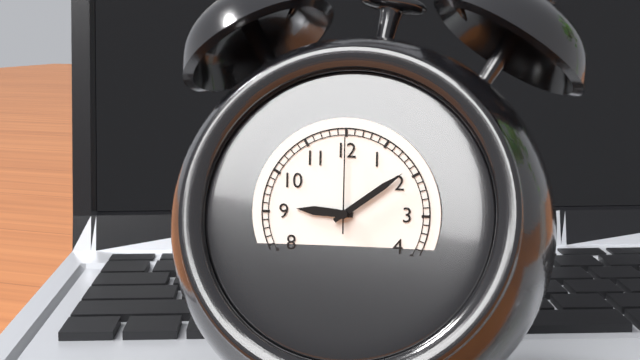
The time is **9:09:00**
